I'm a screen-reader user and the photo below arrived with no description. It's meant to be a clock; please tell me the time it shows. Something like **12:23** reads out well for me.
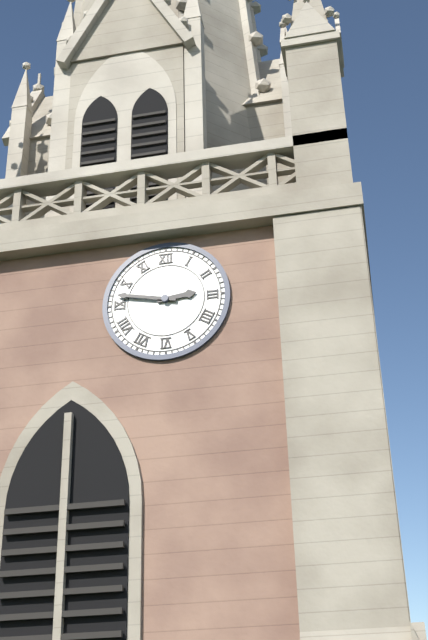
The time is **2:47**
